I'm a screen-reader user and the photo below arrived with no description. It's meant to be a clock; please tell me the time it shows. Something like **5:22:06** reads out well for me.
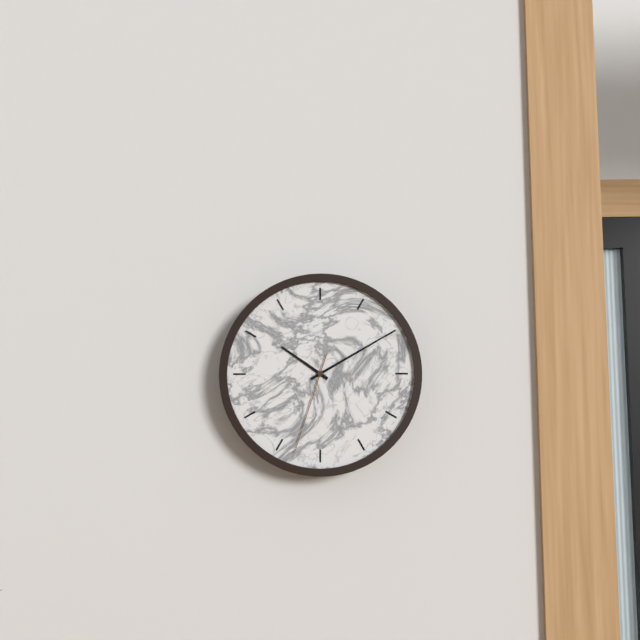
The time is **10:10:33**
